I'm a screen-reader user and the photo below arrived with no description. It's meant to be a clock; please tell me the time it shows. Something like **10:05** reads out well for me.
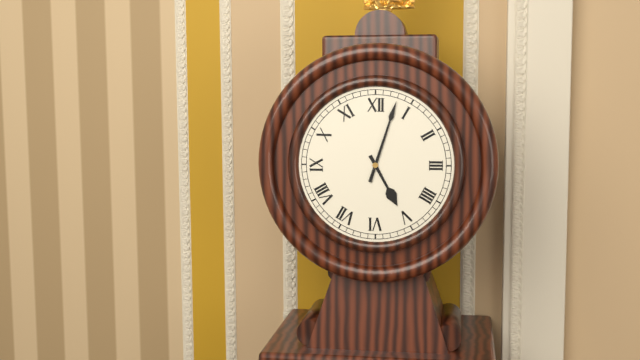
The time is **5:03**
